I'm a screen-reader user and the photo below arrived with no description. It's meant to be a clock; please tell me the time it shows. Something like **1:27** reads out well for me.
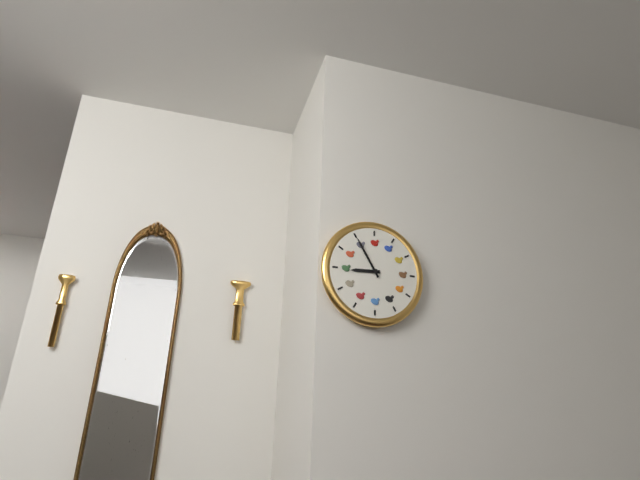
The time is **8:55**
